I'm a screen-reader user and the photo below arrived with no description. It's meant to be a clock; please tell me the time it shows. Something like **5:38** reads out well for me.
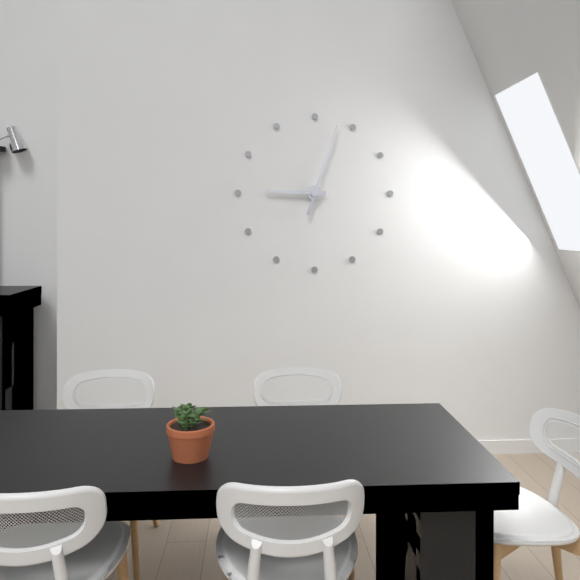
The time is **9:03**
